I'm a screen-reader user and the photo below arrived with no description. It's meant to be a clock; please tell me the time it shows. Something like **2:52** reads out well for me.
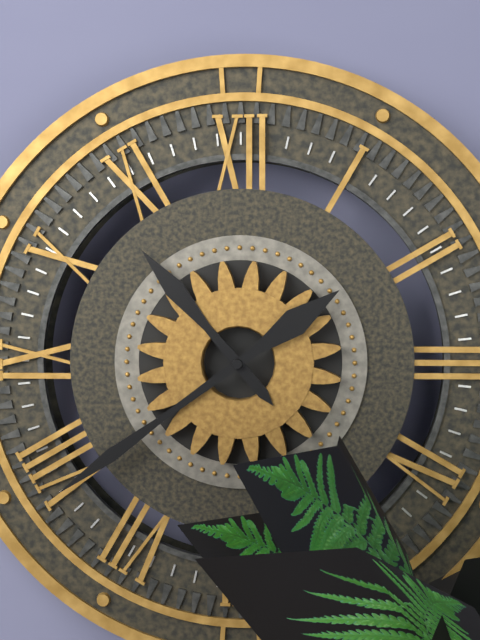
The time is **10:39**
